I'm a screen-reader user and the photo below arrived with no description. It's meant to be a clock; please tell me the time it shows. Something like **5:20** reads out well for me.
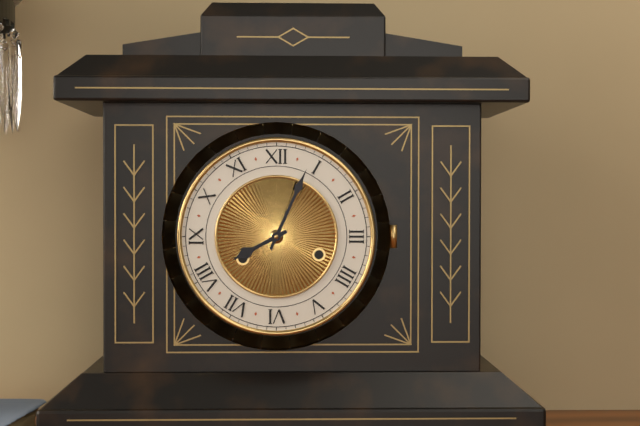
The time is **8:04**
